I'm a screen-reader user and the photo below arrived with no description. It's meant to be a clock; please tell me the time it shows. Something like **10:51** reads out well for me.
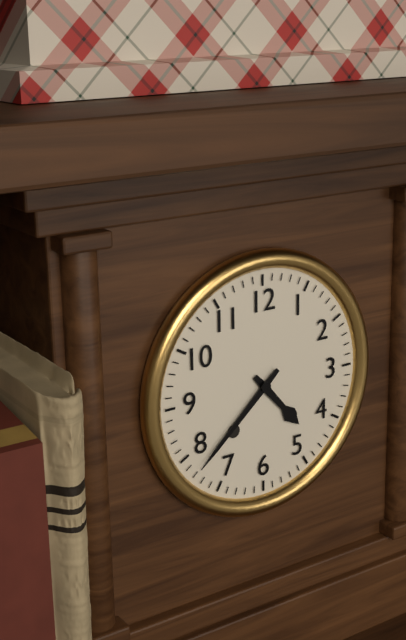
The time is **4:38**
